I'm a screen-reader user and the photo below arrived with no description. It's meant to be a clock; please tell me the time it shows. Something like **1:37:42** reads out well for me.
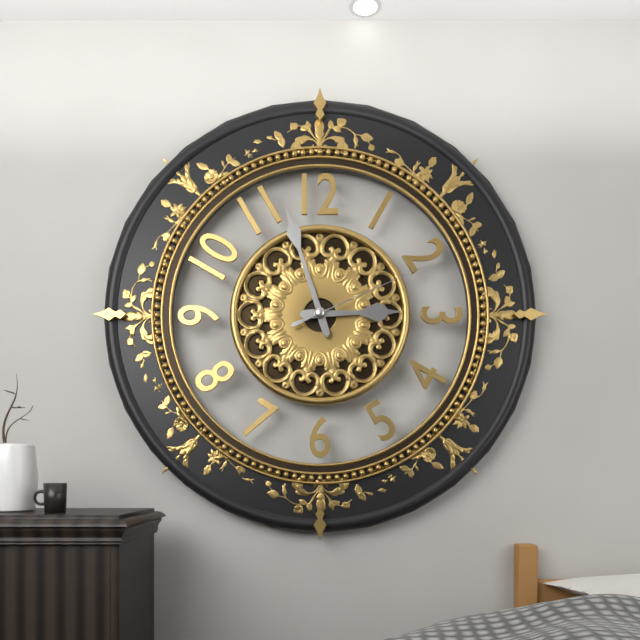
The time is **2:57:11**
